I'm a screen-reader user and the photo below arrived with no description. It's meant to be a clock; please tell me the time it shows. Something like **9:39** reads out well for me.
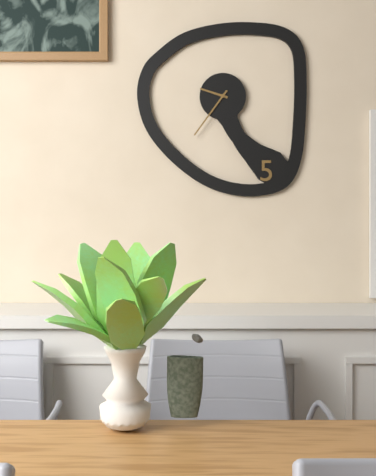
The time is **9:36**
